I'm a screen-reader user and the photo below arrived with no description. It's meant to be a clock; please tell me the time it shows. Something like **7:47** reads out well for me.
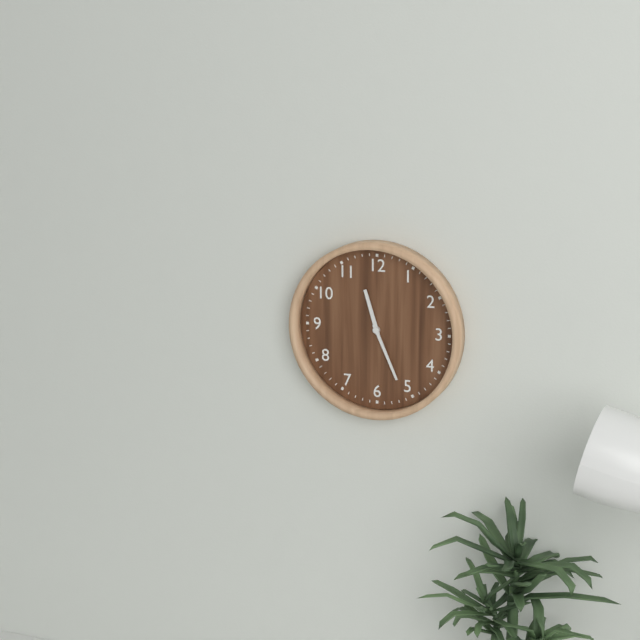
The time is **11:26**
